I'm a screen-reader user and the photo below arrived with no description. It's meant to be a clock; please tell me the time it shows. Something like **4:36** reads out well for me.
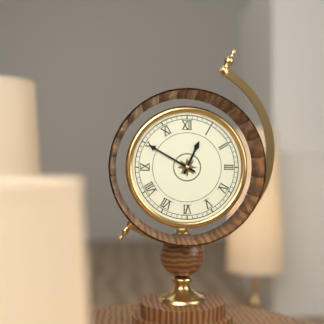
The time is **12:50**
